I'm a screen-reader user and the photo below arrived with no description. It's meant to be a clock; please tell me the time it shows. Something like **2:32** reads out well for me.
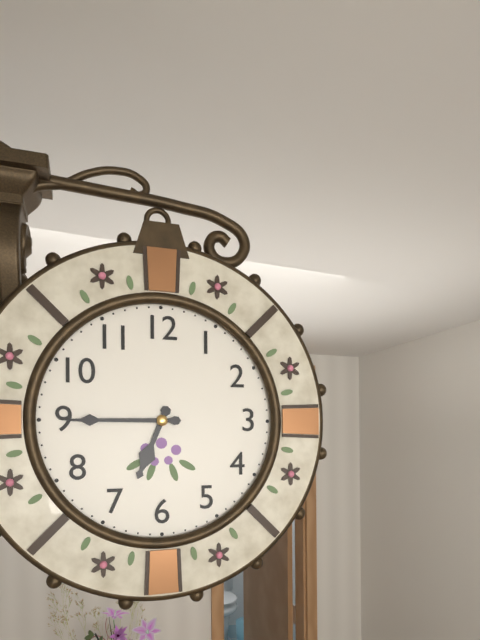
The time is **6:45**
